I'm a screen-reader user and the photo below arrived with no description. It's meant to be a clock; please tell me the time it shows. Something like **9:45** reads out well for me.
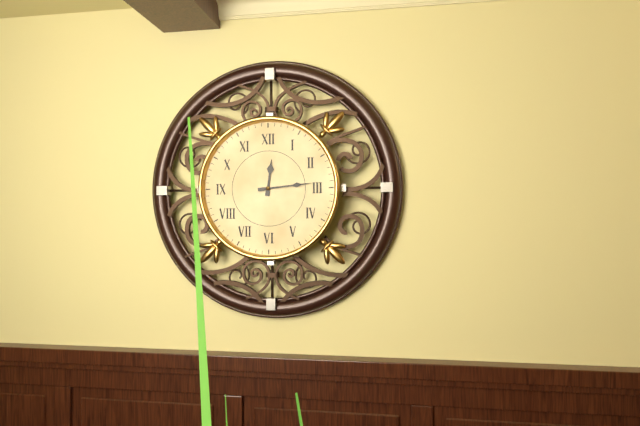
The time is **12:14**
